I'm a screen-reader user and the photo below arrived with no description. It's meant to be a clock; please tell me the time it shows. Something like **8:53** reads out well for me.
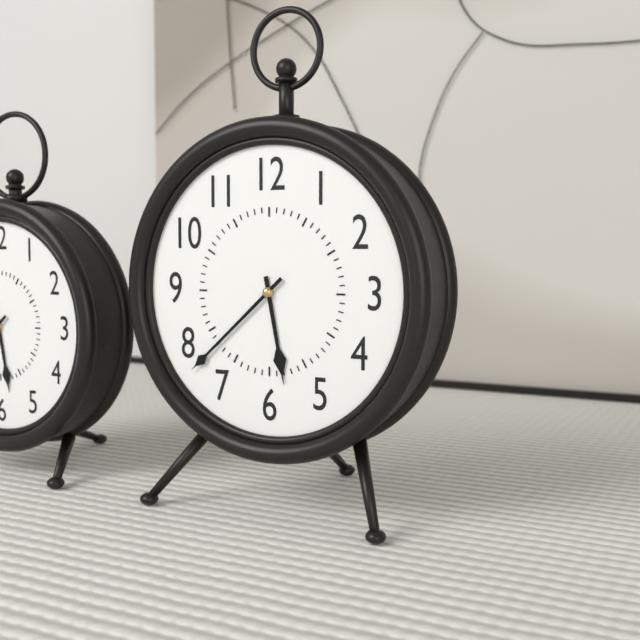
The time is **5:38**
